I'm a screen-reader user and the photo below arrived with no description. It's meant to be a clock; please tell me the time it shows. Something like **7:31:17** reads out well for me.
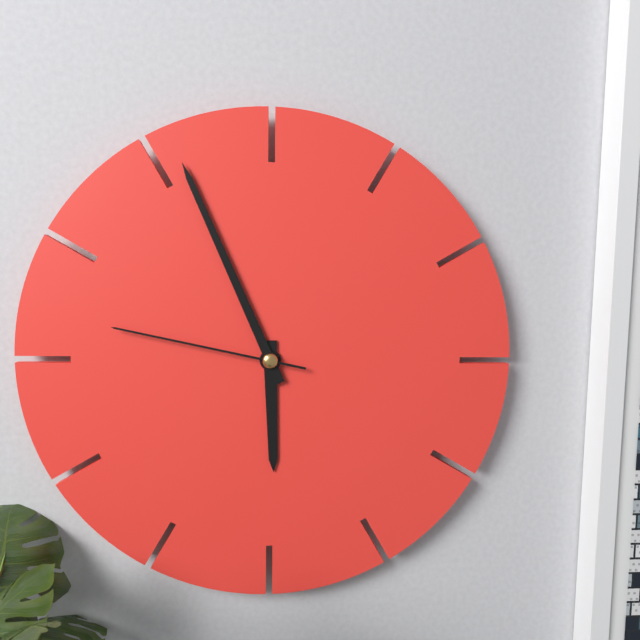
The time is **5:56:47**
